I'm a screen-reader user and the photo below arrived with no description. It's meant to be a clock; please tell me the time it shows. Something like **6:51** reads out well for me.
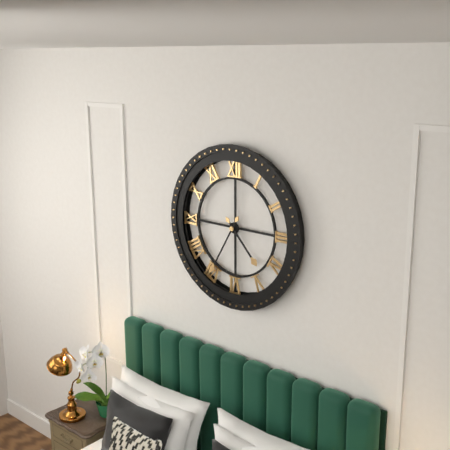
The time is **4:35**
